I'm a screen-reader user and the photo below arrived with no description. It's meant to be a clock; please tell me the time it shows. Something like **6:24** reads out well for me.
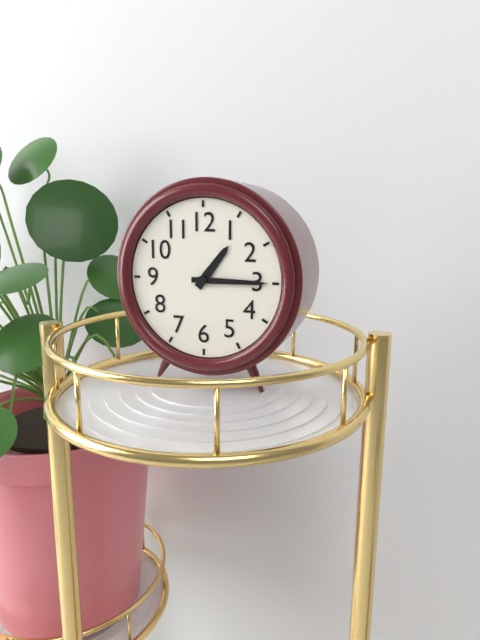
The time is **1:15**
